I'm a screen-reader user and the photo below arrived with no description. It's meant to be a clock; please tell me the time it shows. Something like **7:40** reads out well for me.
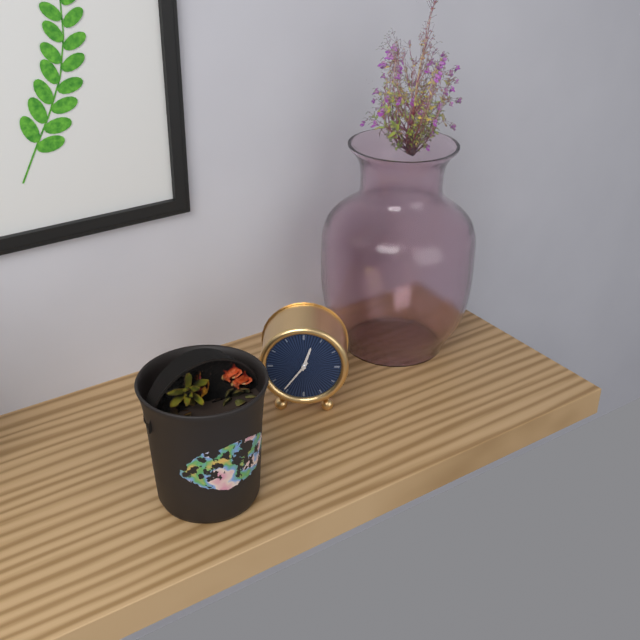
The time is **12:36**
